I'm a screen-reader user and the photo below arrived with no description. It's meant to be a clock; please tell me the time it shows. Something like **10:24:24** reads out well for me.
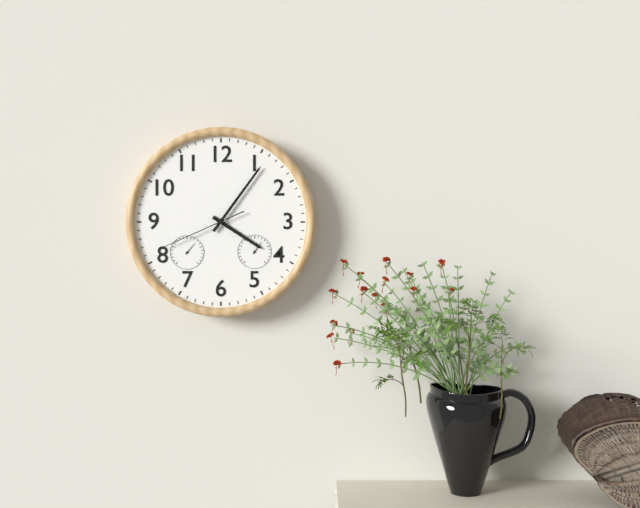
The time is **4:06:41**
